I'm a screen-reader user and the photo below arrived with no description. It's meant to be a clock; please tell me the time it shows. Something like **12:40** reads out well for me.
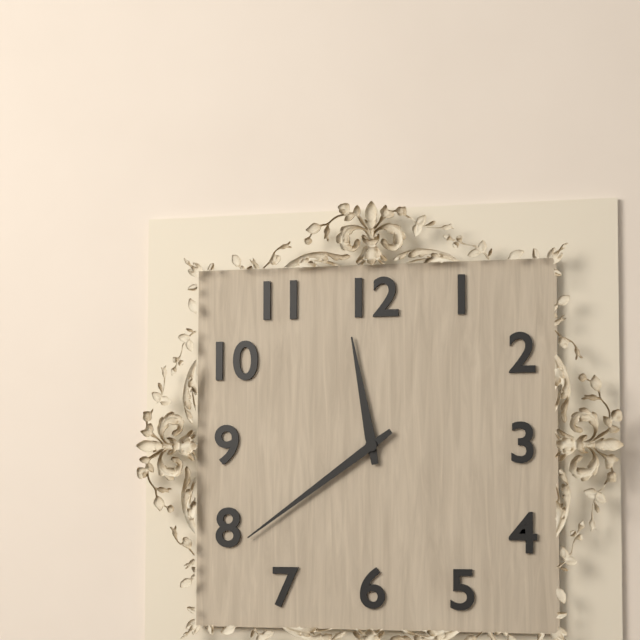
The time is **11:39**
